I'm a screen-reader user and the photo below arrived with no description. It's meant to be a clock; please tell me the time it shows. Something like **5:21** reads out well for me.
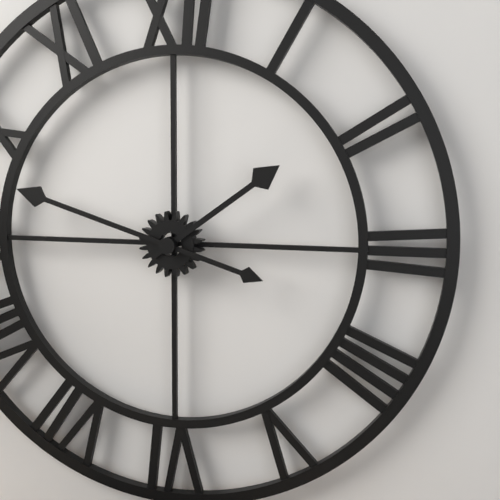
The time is **1:48**
